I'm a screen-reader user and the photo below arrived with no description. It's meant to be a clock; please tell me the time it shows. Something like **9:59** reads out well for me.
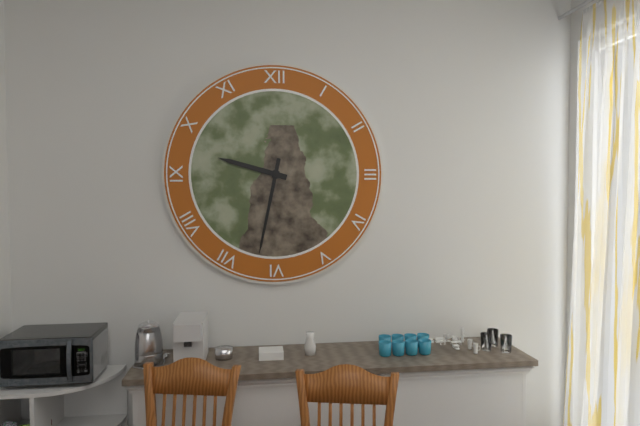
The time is **9:32**
